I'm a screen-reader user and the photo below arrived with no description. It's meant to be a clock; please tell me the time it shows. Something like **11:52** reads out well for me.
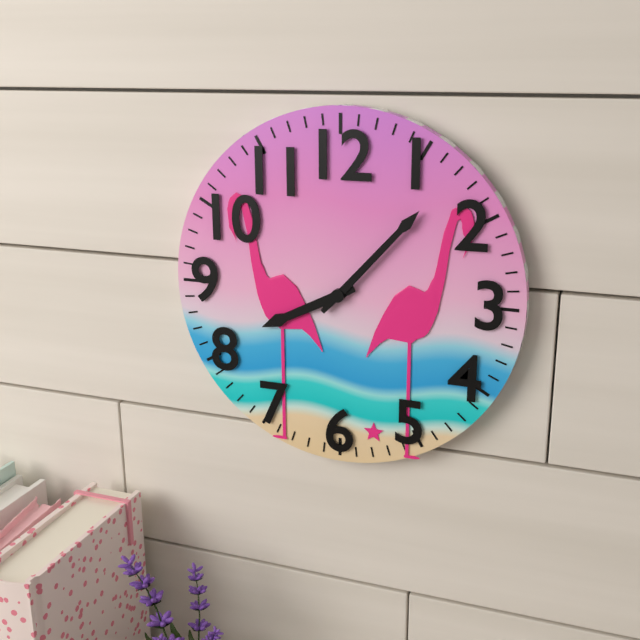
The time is **8:07**
